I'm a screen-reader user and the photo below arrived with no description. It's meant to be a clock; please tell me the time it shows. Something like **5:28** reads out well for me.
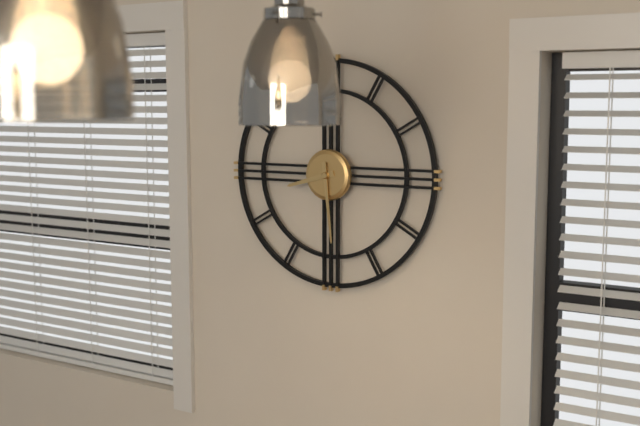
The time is **8:29**
